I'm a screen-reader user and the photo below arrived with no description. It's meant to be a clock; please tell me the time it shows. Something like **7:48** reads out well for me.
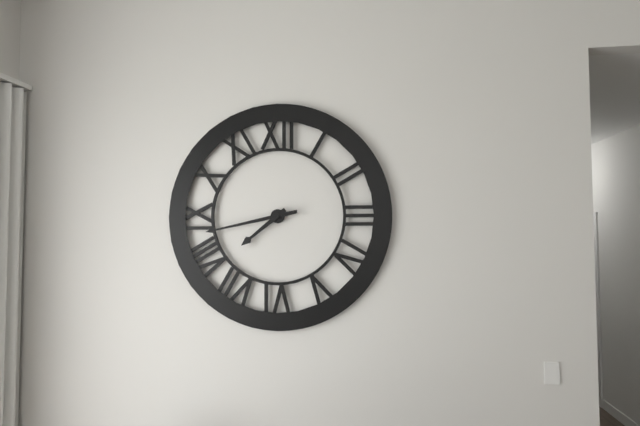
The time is **7:43**
